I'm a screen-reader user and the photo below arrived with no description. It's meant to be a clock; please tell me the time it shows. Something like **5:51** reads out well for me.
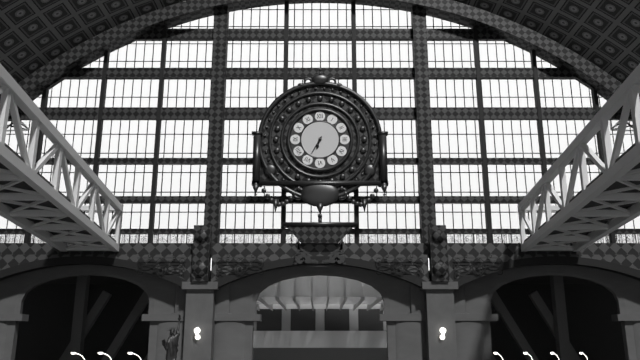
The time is **6:35**
